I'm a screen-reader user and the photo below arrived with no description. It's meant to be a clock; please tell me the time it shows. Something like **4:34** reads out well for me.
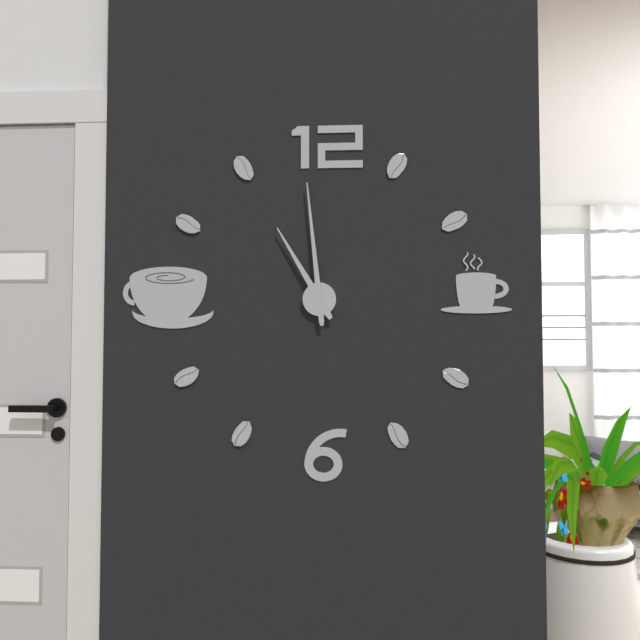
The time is **10:59**
